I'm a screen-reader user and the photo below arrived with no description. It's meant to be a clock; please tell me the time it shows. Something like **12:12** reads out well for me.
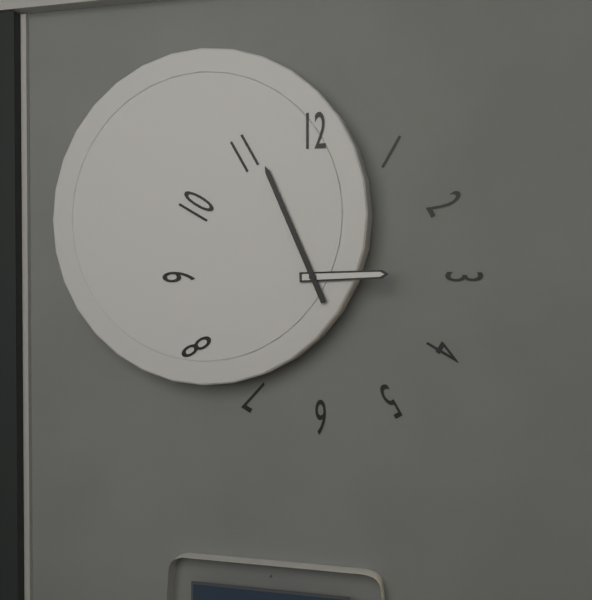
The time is **2:56**
